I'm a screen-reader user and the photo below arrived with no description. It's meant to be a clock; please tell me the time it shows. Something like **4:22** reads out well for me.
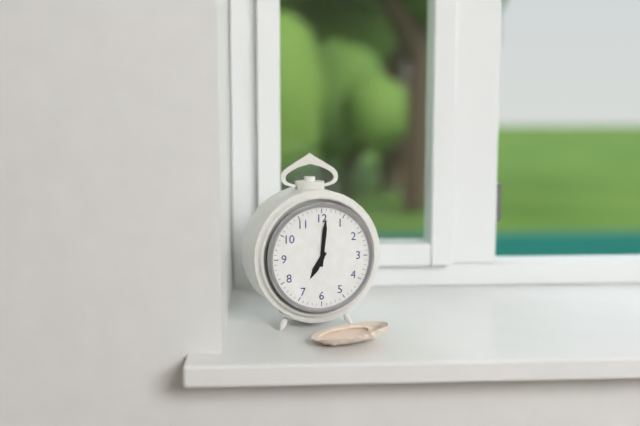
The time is **7:01**
